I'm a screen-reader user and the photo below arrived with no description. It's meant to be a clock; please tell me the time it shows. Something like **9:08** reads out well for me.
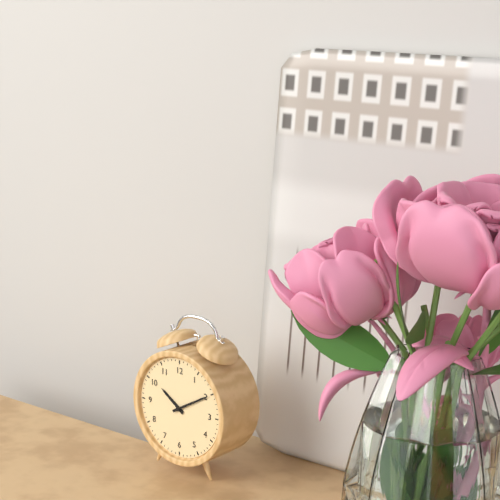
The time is **10:10**
